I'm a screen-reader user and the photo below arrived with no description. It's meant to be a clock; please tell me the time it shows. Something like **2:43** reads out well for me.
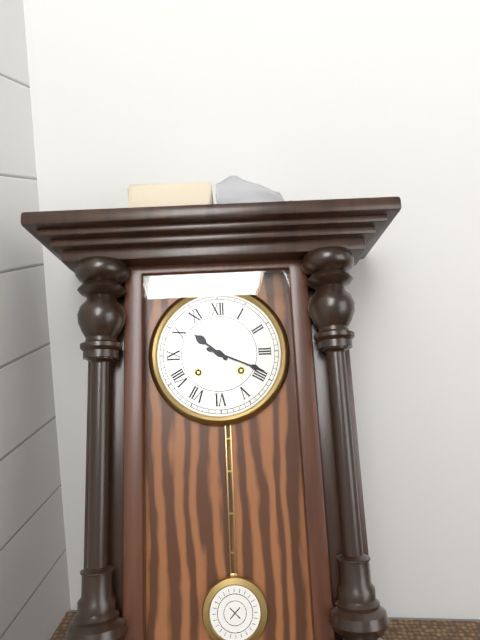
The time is **10:19**
